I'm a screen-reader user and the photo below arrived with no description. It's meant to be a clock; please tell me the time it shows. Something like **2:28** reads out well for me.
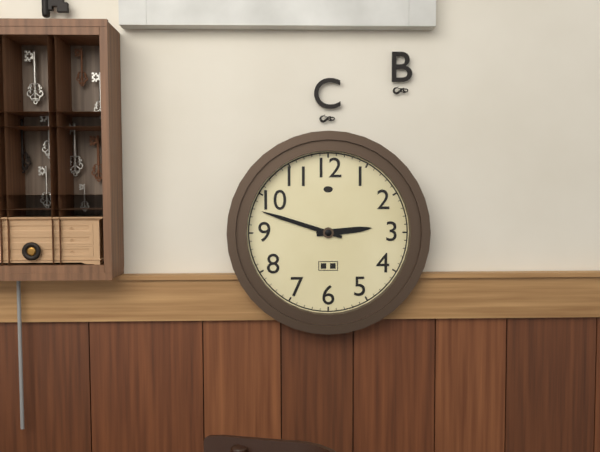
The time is **2:48**
